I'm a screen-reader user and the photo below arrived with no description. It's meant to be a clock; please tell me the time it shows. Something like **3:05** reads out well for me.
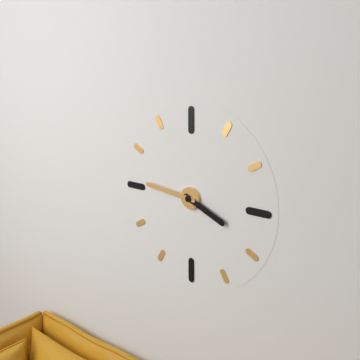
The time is **3:46**
